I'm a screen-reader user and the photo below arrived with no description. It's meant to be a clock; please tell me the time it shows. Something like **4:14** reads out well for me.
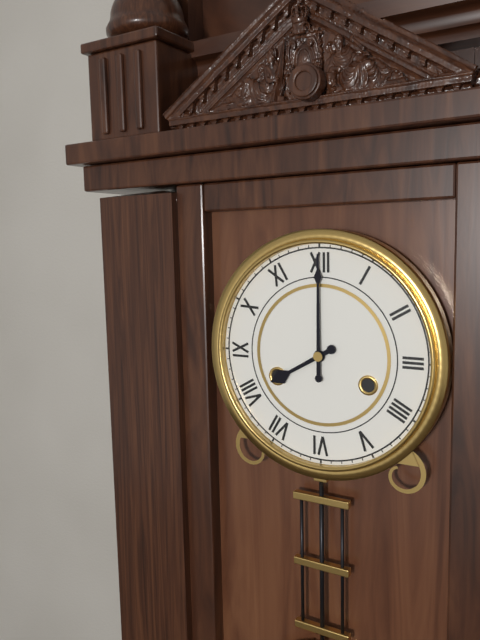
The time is **8:00**
